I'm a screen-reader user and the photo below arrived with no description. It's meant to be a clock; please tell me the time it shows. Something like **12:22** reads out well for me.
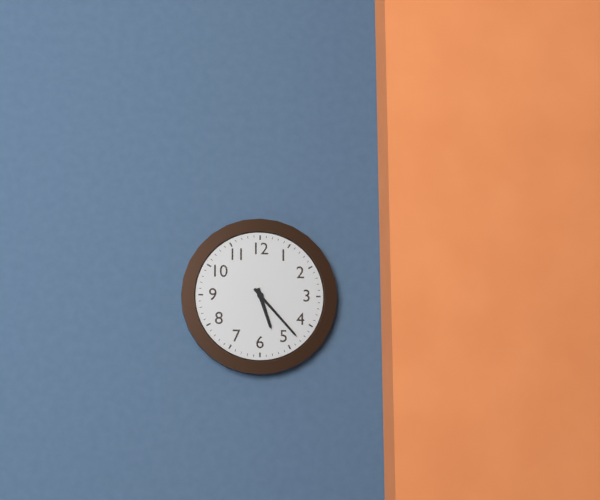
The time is **5:23**
